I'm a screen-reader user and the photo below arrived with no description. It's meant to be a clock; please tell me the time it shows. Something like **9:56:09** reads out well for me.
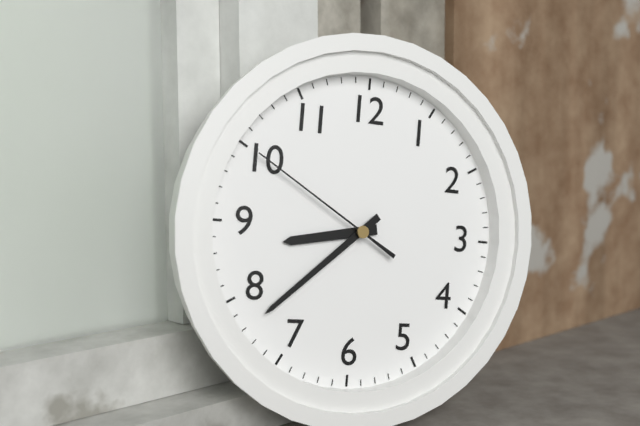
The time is **8:38:50**
